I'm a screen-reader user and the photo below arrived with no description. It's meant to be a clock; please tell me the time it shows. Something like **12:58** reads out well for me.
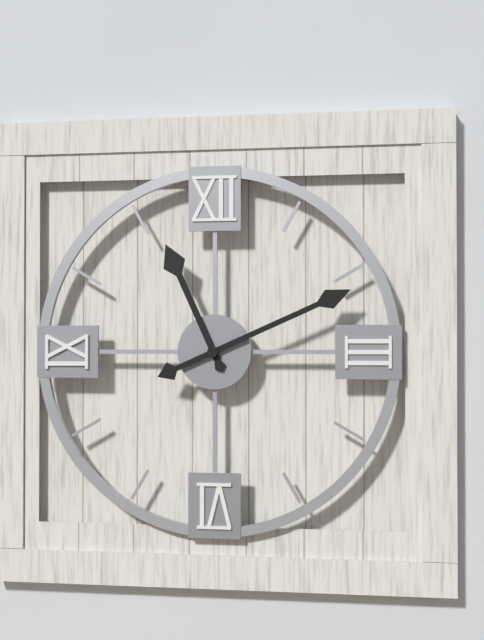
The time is **11:11**
